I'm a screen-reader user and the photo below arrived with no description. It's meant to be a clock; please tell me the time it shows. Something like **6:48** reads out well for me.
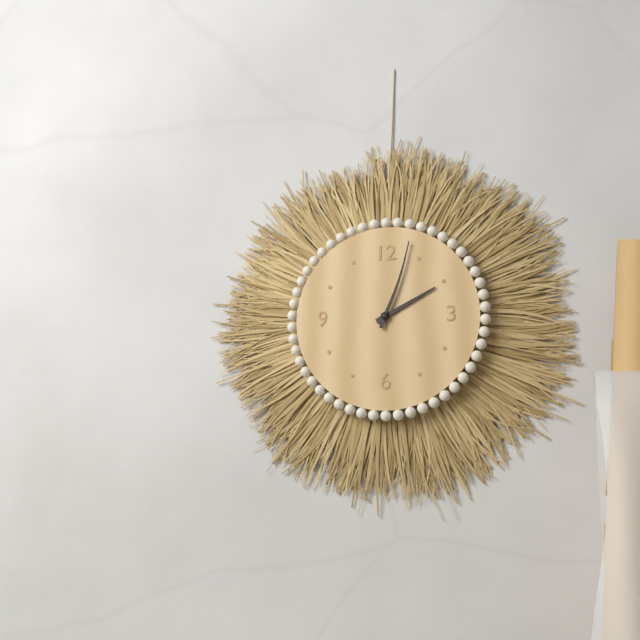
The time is **2:03**
